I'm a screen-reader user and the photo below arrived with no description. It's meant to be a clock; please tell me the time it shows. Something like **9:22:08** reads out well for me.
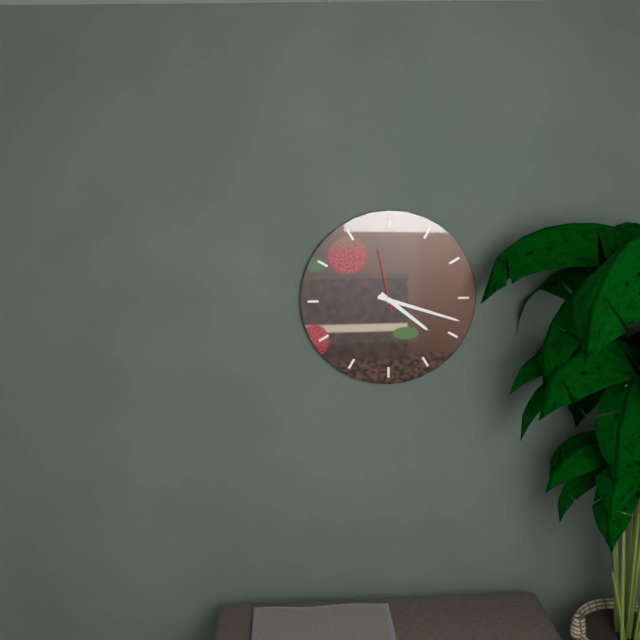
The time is **4:18:58**
